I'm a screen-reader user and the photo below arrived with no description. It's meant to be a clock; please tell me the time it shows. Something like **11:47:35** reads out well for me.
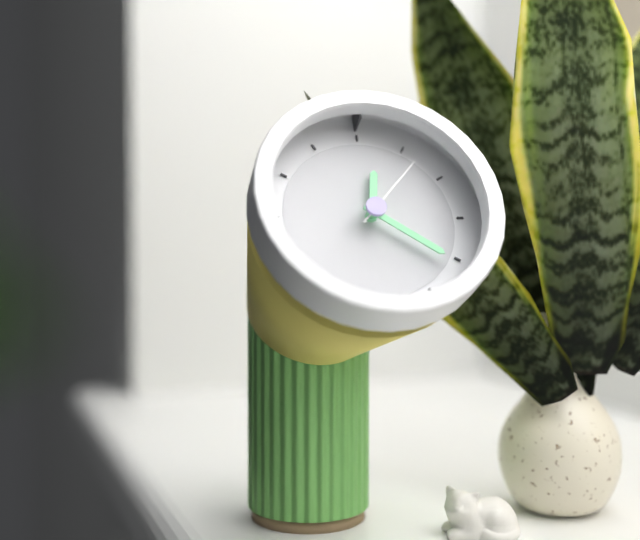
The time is **12:21:07**
